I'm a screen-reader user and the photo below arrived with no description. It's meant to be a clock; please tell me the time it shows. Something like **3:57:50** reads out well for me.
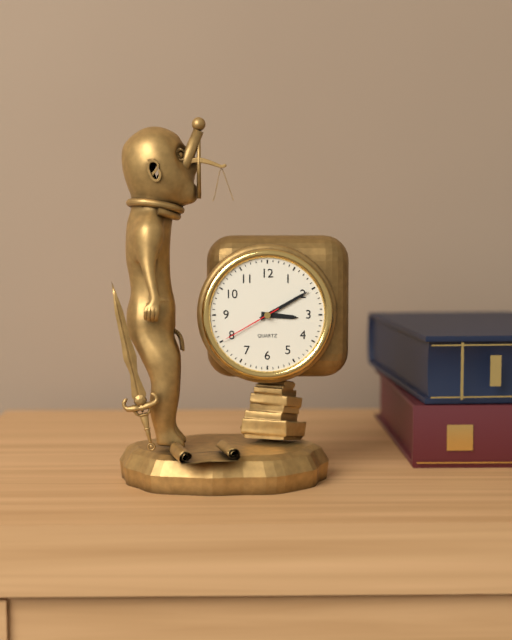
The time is **3:10:40**
